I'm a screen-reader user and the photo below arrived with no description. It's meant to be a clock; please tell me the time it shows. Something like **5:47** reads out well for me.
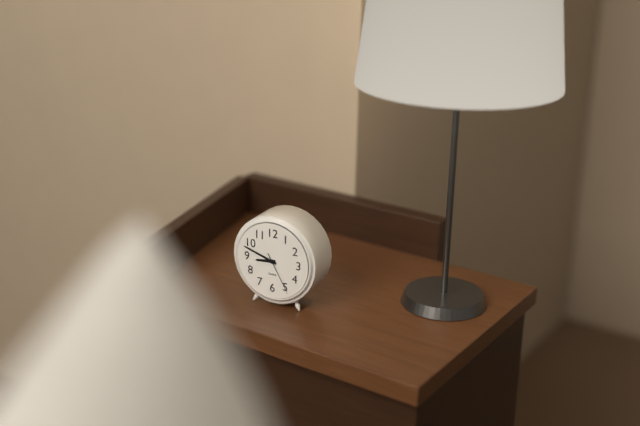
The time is **8:48**
